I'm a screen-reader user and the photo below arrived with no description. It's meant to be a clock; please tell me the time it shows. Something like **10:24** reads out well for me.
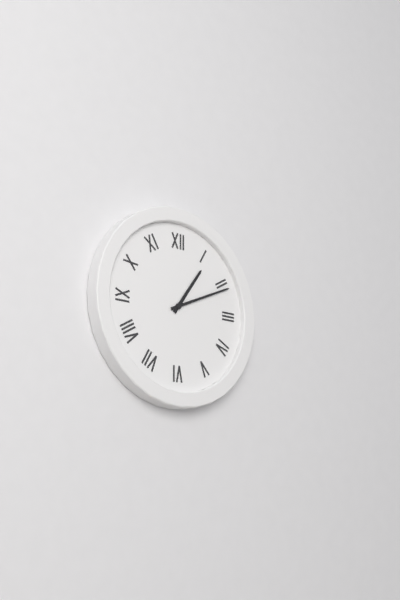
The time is **1:11**
